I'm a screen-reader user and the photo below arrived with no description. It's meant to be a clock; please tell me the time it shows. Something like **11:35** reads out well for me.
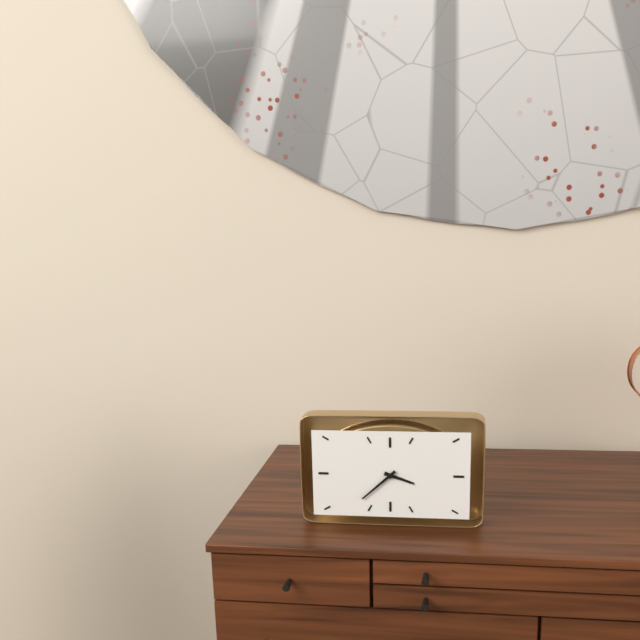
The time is **3:38**
